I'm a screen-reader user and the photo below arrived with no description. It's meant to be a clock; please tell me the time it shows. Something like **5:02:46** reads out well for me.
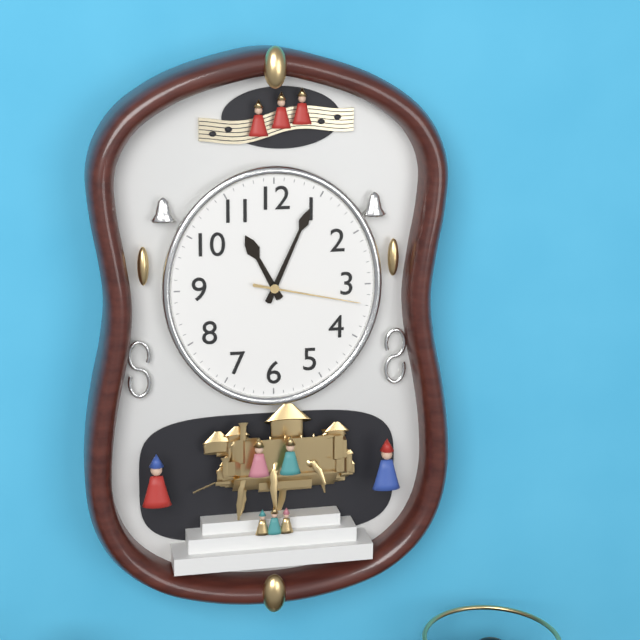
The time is **11:04:17**
